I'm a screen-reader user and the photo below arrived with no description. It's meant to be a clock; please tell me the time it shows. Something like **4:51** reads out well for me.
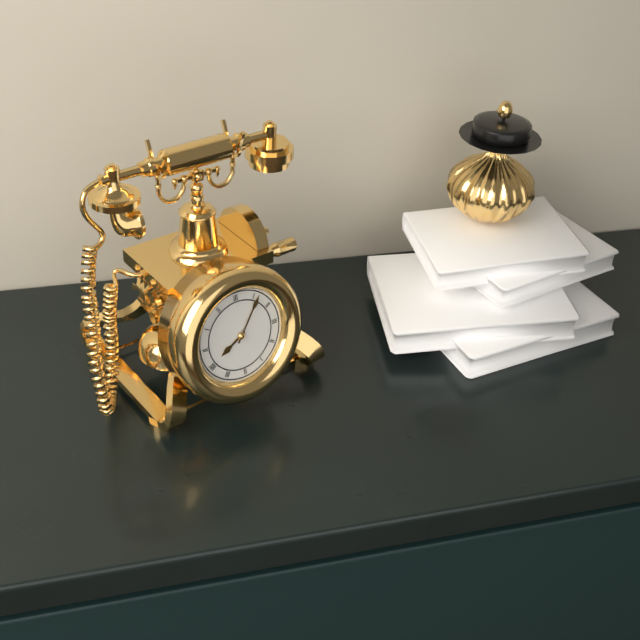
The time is **8:06**
